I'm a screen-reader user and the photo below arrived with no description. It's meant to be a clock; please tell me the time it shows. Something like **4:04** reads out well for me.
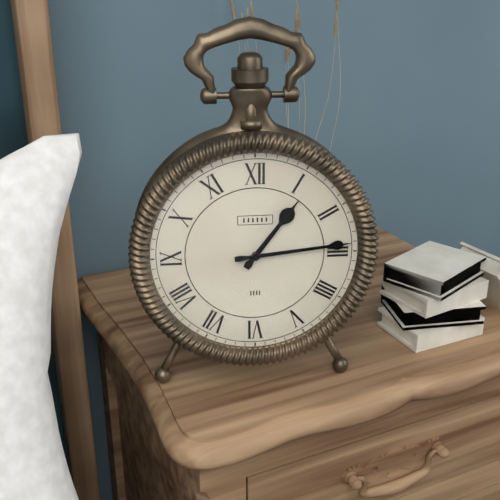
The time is **1:14**
